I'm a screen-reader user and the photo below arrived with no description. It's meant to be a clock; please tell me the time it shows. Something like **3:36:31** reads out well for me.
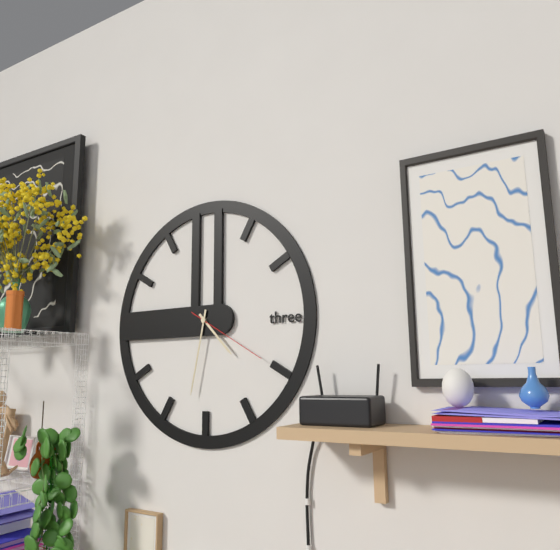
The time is **4:32:20**
